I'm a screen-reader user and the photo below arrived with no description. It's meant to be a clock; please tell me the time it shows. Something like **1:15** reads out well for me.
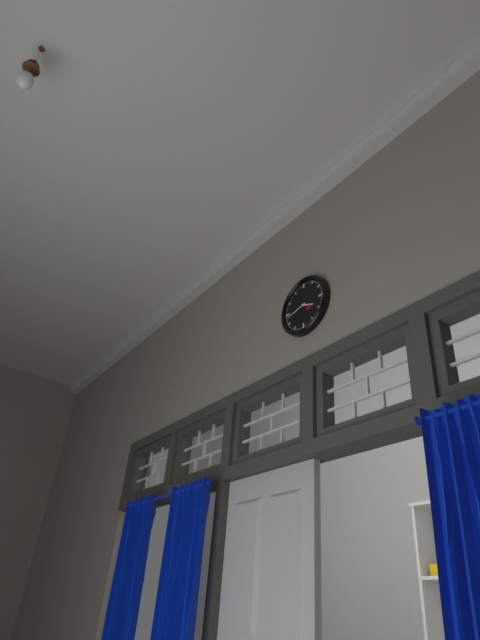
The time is **3:43**
